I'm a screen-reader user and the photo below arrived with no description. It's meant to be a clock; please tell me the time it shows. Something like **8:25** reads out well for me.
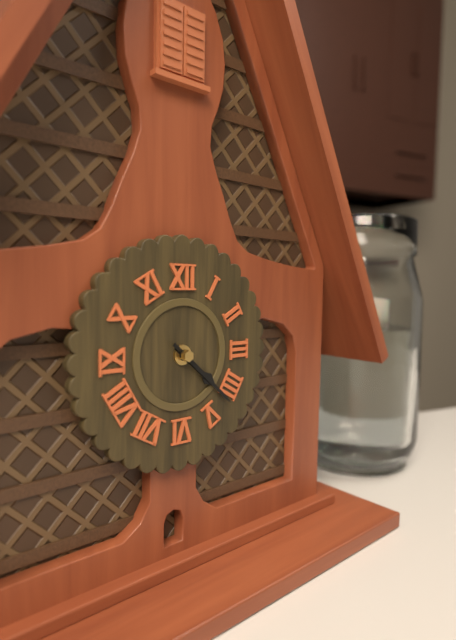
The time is **4:22**
